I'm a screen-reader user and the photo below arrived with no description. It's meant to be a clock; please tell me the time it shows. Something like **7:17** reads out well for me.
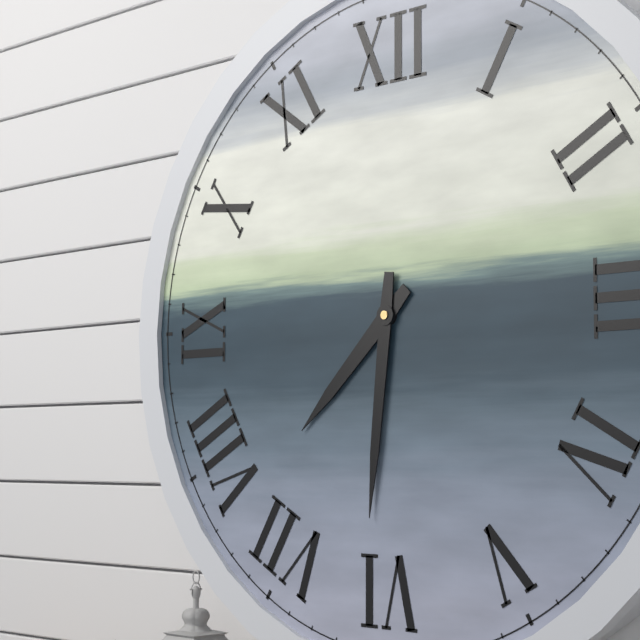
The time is **7:31**
